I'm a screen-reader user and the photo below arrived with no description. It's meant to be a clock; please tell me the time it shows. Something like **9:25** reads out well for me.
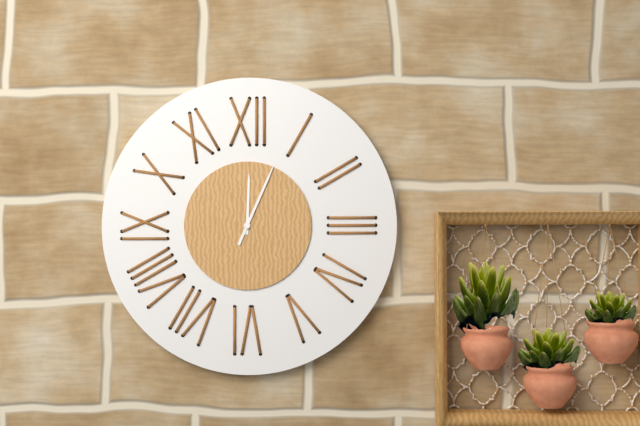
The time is **12:04**
